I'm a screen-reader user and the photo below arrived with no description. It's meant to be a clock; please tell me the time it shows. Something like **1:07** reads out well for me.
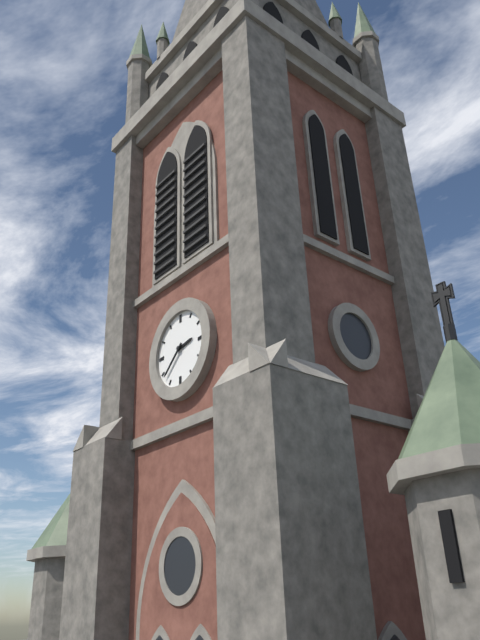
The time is **2:38**
